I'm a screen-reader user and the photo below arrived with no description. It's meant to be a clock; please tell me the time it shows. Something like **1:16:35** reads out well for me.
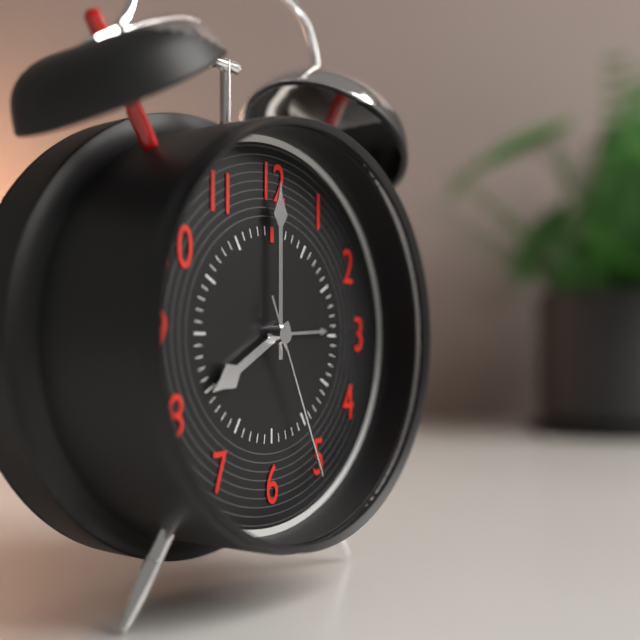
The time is **8:00:26**
